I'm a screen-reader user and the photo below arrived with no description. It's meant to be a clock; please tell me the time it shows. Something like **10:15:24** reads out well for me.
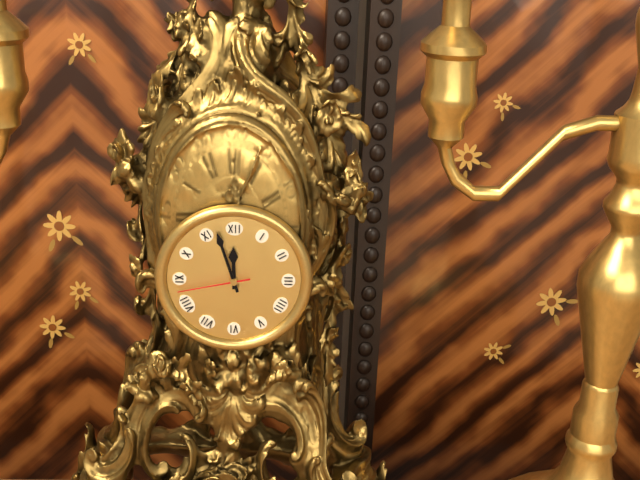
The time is **11:57:43**
